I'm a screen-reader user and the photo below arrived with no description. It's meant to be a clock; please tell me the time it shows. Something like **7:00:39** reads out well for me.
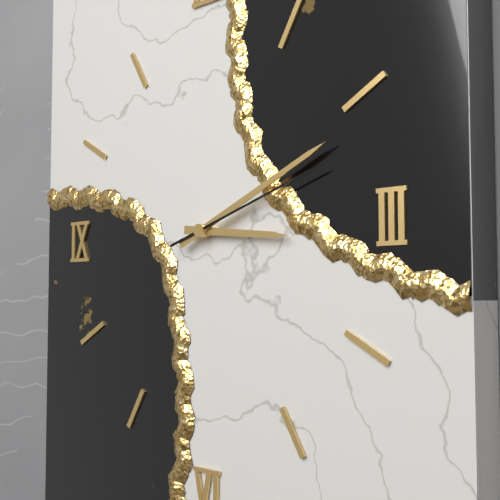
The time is **3:11:12**
